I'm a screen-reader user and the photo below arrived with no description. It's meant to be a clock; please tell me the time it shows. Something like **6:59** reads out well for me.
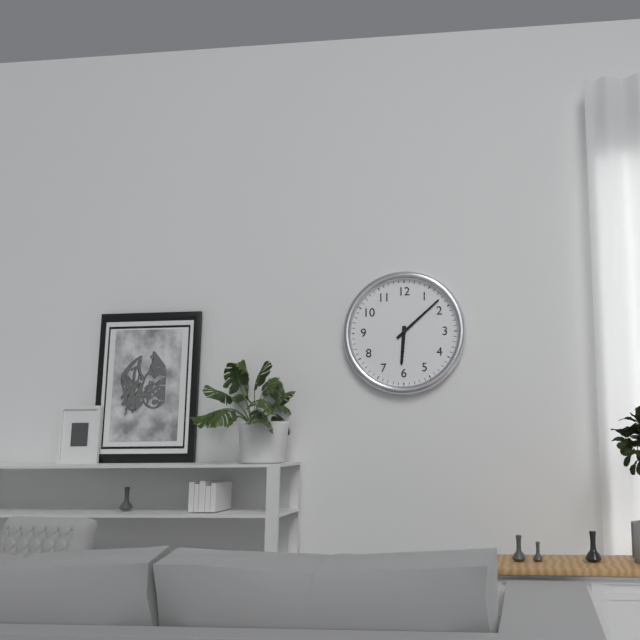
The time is **6:08**
